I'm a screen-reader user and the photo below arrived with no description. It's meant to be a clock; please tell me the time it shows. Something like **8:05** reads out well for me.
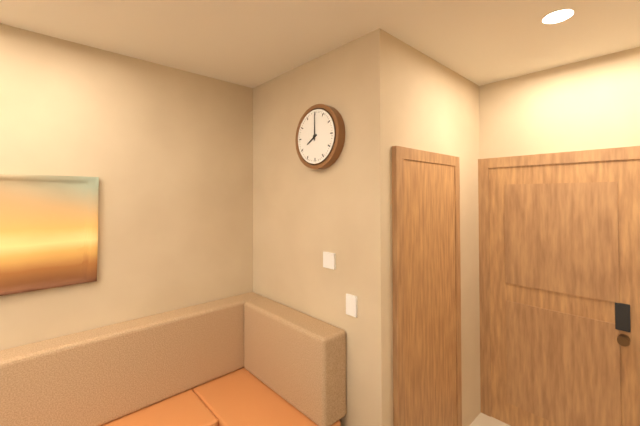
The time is **8:00**
